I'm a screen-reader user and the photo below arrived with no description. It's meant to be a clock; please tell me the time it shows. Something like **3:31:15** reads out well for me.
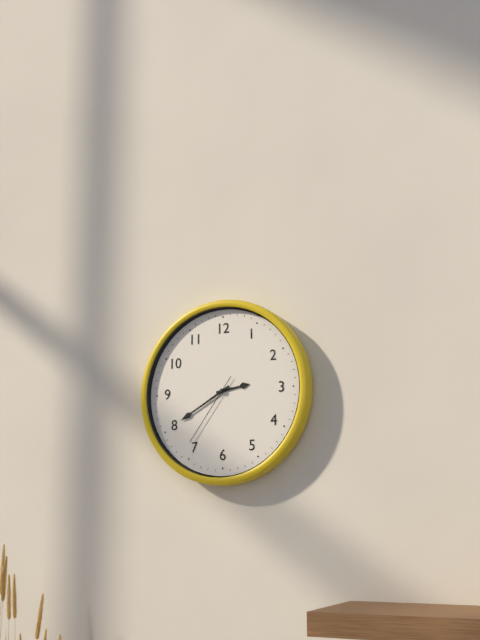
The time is **2:40:36**
